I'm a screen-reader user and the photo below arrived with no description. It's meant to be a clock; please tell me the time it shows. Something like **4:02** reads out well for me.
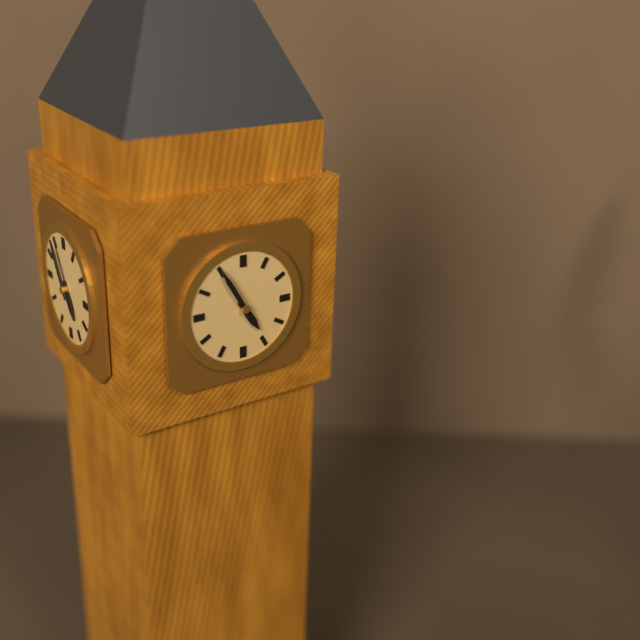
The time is **4:55**
